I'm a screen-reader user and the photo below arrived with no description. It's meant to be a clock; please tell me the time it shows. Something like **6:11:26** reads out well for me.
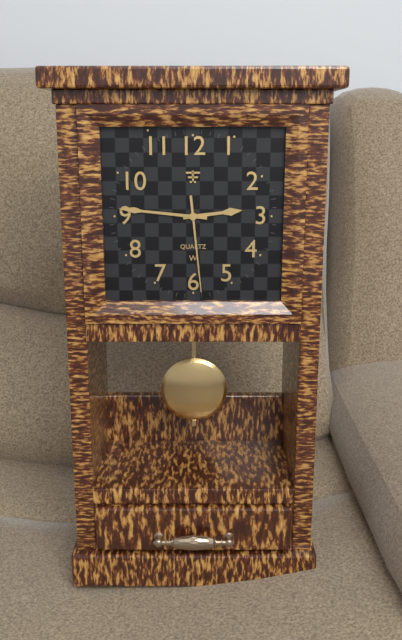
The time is **2:46:29**
